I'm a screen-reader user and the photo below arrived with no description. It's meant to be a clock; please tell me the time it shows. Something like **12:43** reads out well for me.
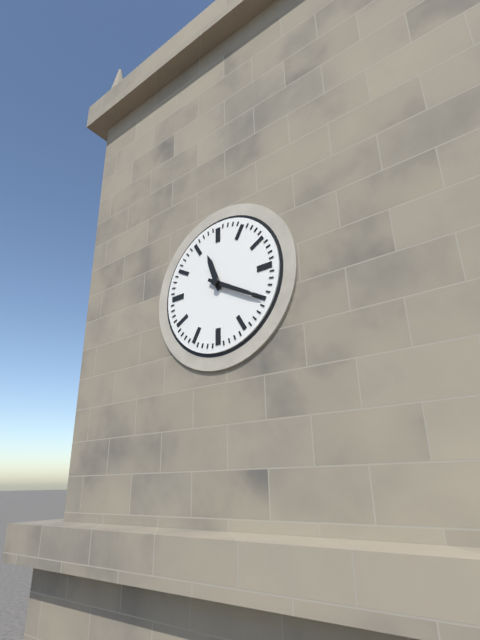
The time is **11:20**
